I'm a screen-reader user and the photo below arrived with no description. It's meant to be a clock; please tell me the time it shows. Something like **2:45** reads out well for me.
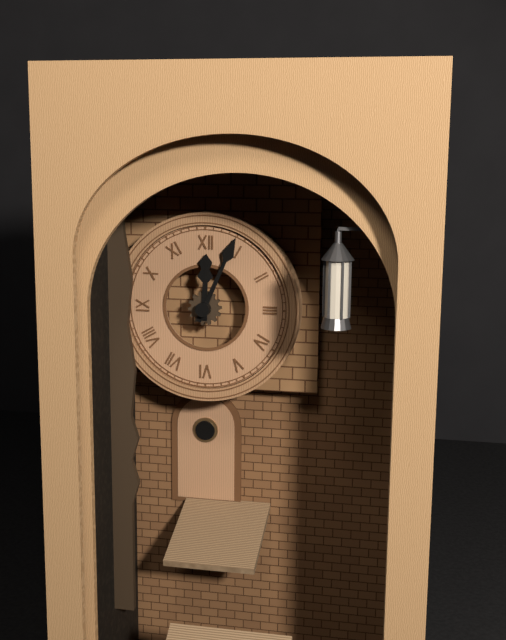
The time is **12:04**
